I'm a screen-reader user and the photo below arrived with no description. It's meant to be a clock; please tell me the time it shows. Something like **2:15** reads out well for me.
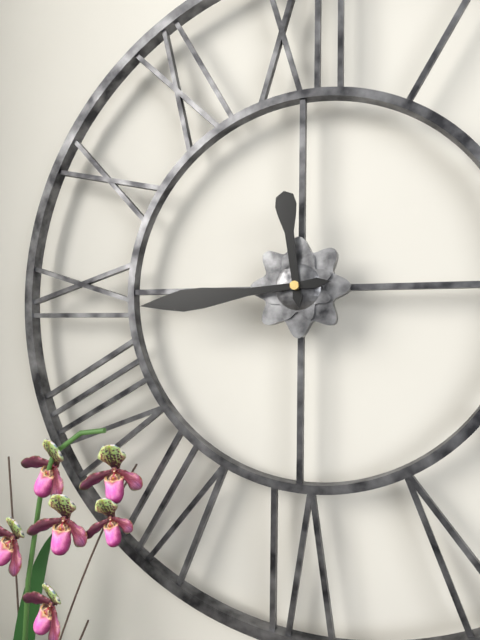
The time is **11:44**
